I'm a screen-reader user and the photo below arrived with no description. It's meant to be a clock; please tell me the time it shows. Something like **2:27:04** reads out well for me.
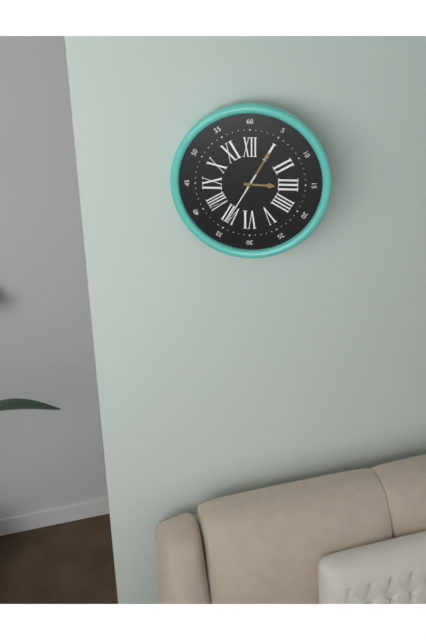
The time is **3:05:35**
